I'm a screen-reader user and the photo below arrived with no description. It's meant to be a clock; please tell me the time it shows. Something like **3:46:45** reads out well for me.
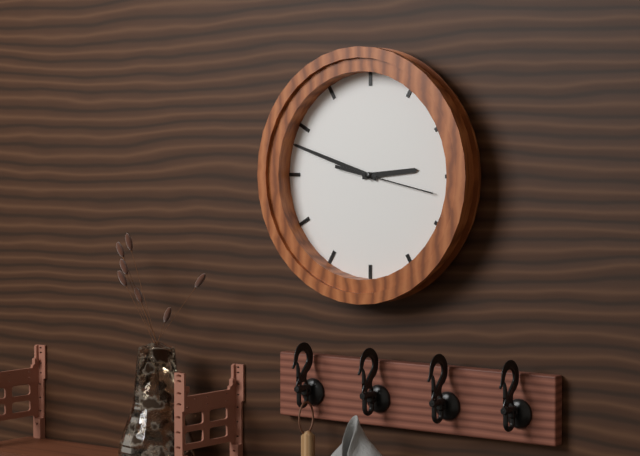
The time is **2:48:17**
